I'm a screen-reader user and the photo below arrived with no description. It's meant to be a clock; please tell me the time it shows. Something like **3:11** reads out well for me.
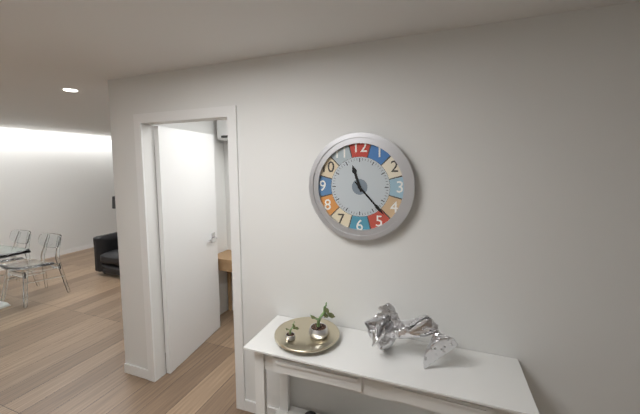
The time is **11:23**
